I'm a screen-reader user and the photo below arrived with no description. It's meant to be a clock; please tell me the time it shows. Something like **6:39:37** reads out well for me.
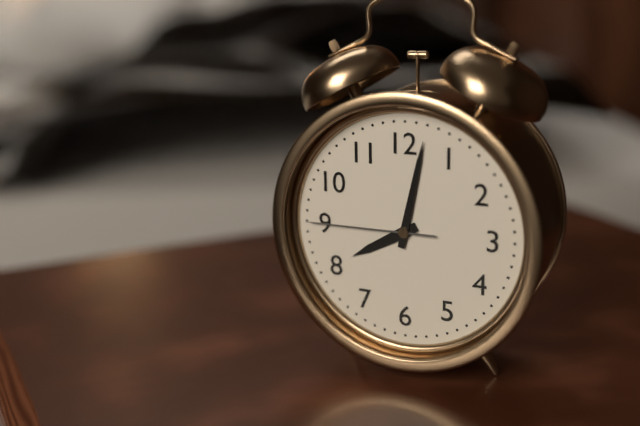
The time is **8:02:45**
